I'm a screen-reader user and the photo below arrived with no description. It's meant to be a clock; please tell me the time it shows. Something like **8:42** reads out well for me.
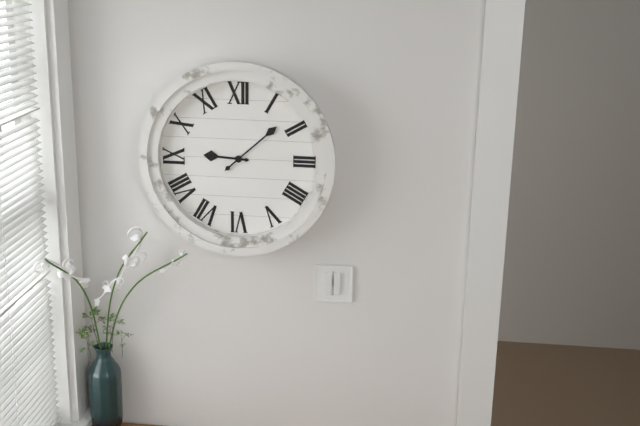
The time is **9:08**
